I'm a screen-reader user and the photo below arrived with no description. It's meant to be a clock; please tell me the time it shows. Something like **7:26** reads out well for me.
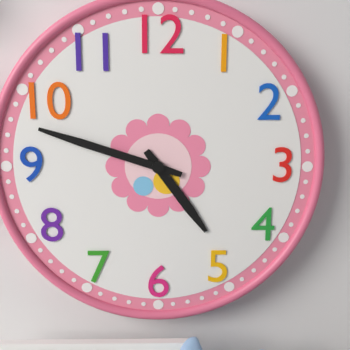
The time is **4:48**
